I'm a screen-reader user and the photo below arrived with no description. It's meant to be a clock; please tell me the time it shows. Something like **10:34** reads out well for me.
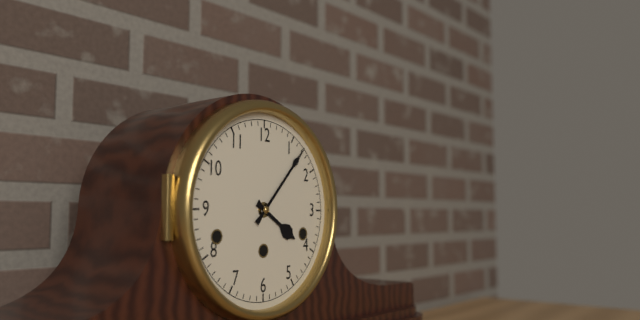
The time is **4:07**
